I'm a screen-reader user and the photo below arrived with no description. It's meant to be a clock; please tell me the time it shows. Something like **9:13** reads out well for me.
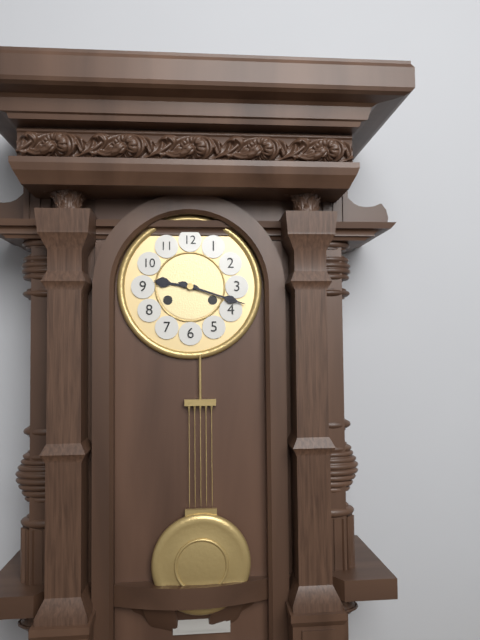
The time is **9:18**
